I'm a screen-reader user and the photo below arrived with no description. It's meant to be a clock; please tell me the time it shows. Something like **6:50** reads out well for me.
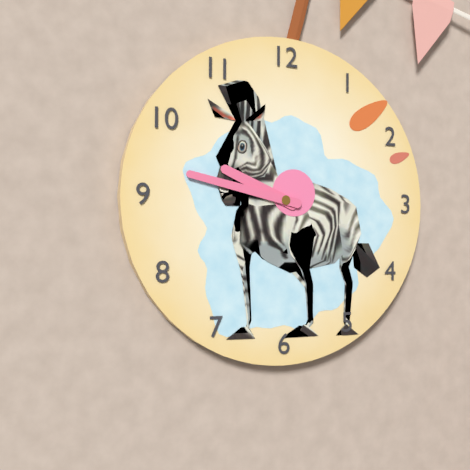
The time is **9:47**
